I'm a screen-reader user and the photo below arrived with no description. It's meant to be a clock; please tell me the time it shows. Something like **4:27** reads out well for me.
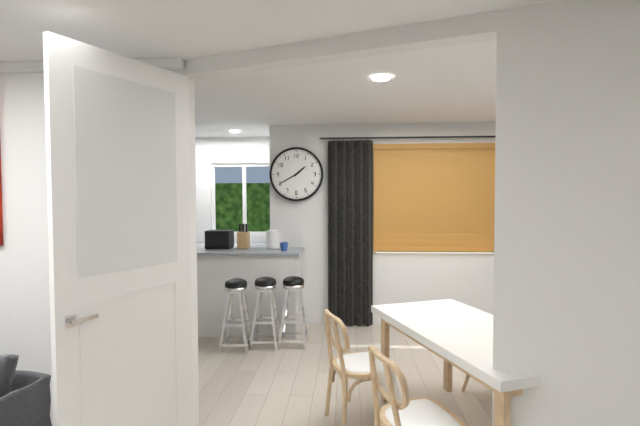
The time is **1:40**
